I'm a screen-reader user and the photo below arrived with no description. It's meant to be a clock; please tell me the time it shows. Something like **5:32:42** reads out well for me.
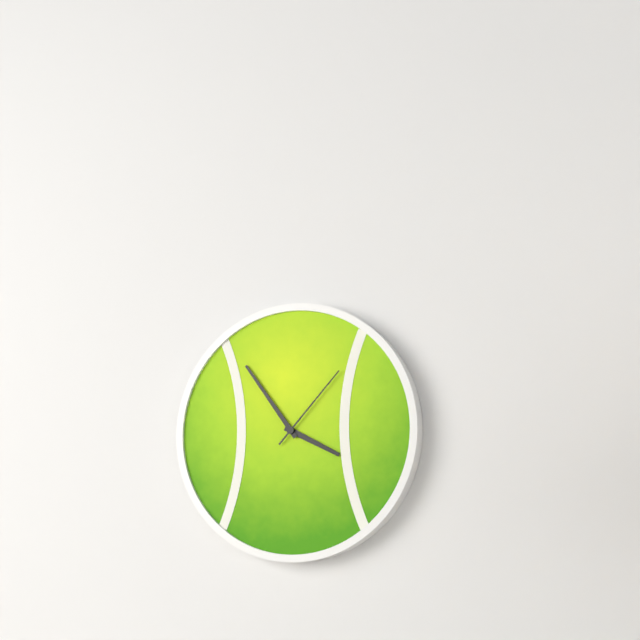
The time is **3:54:07**
